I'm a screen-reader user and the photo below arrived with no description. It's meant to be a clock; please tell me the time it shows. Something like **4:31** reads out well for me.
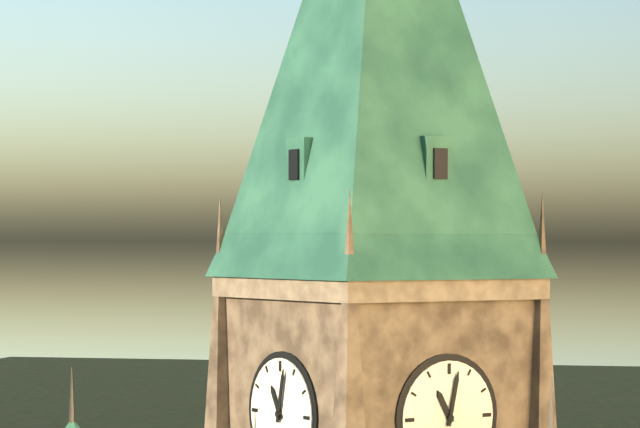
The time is **11:02**
